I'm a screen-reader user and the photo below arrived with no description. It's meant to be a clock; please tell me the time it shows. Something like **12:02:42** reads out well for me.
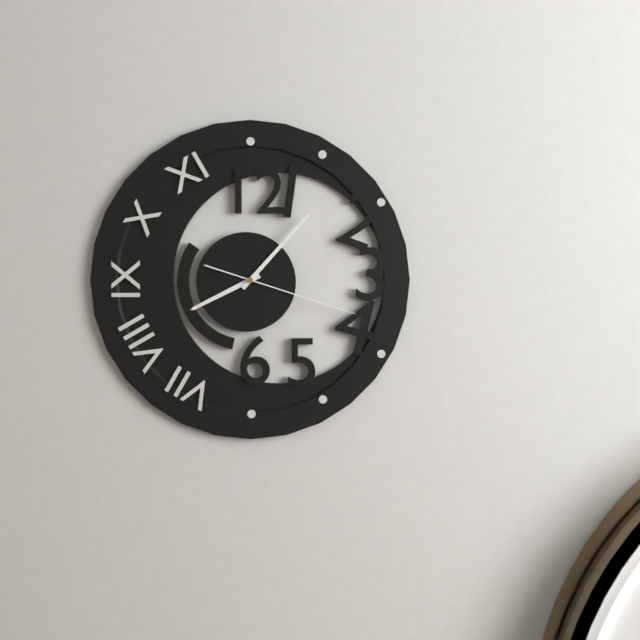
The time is **8:07:18**
